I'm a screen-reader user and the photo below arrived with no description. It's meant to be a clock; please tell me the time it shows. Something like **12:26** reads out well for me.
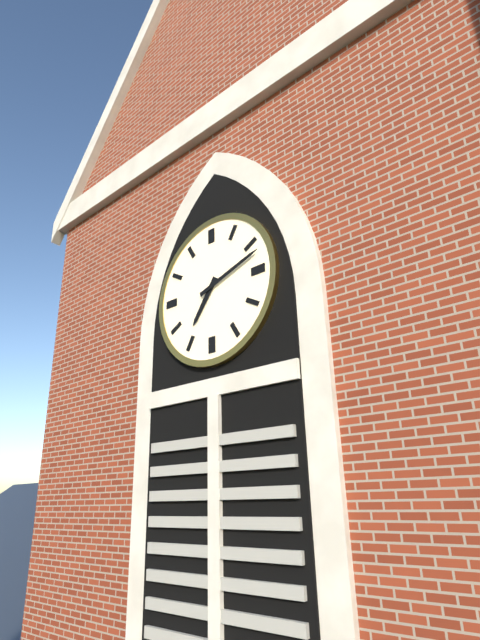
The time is **7:12**
